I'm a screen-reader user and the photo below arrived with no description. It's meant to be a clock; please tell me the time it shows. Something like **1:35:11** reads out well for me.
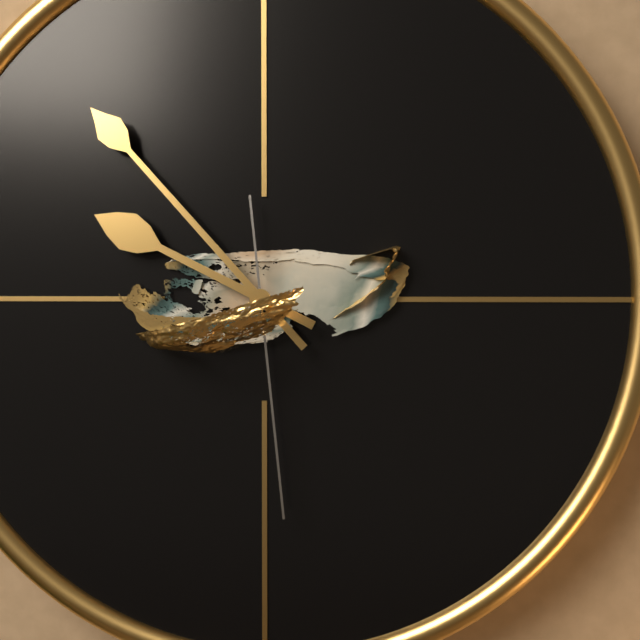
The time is **9:53:29**
